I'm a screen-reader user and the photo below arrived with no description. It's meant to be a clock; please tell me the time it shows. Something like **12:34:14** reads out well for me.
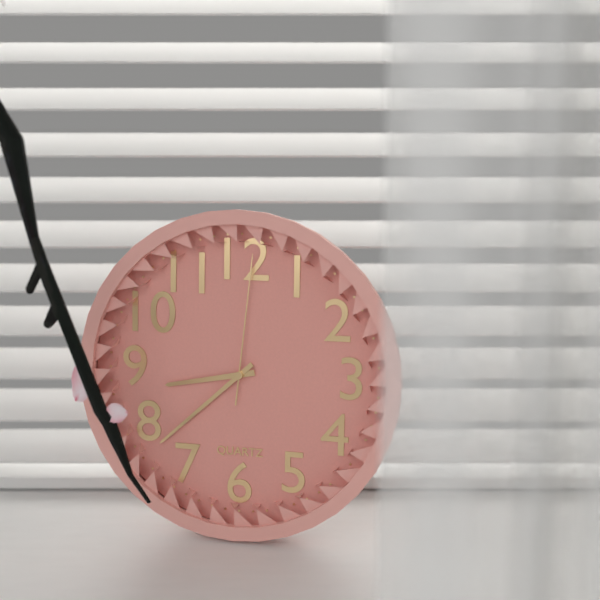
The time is **8:38:01**
